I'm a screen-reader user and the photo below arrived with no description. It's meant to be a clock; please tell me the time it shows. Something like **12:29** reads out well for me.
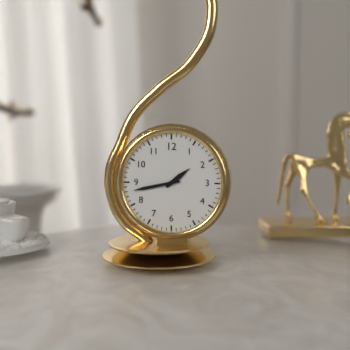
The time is **1:43**
